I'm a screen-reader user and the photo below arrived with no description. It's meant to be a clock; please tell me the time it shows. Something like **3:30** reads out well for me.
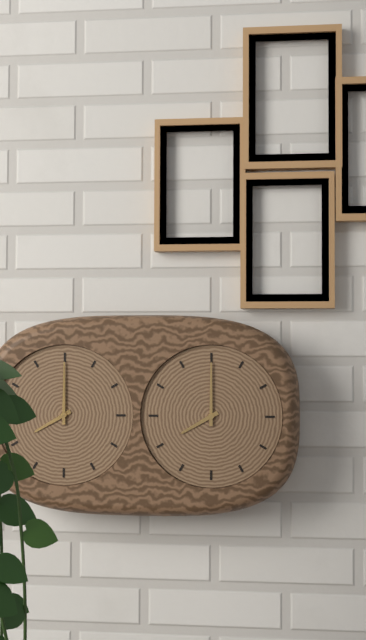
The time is **8:00**
